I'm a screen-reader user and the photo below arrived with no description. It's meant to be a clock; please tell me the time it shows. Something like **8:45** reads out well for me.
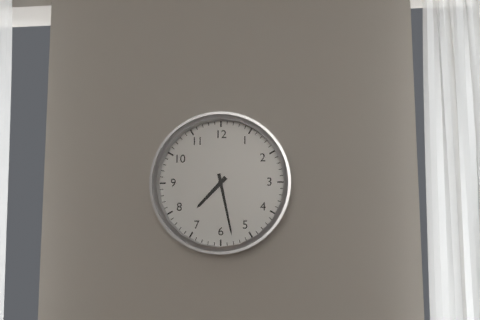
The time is **7:28**
